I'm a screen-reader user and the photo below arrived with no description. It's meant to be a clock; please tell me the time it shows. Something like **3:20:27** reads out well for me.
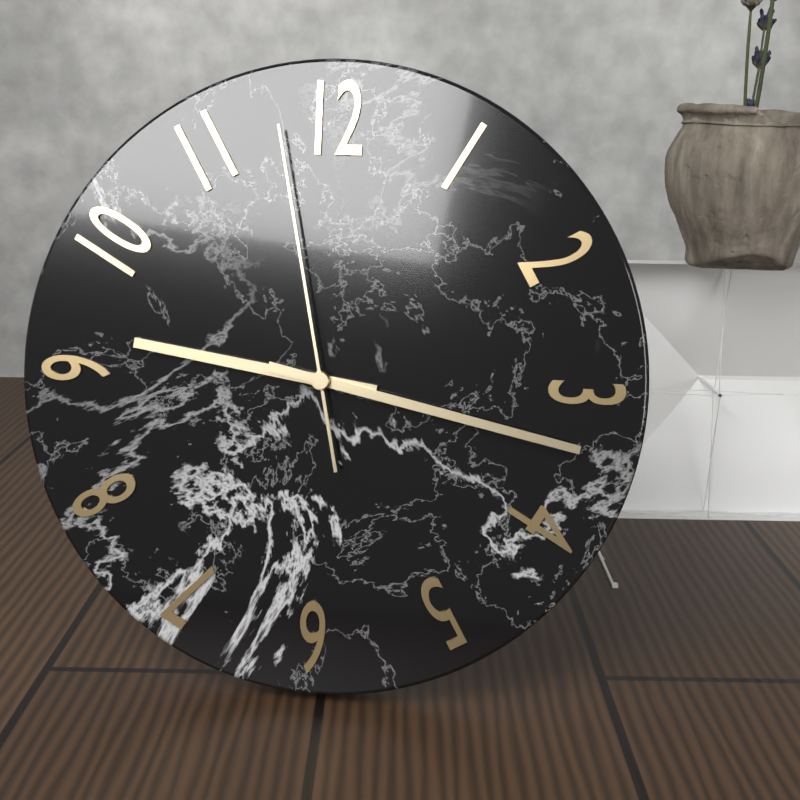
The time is **9:17:58**
